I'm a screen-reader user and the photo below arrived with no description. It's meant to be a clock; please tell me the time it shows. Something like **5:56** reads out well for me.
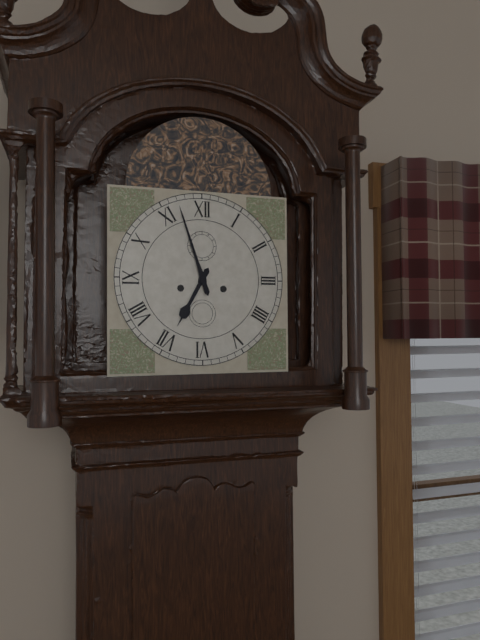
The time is **6:57**
